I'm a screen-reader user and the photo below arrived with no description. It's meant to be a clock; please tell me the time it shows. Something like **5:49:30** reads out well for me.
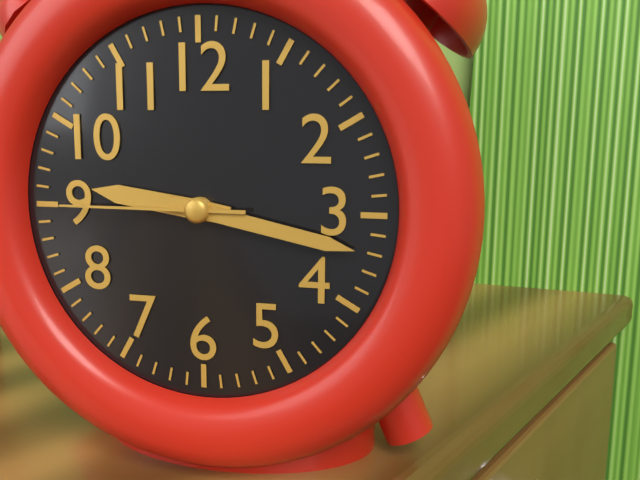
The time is **9:17:45**
